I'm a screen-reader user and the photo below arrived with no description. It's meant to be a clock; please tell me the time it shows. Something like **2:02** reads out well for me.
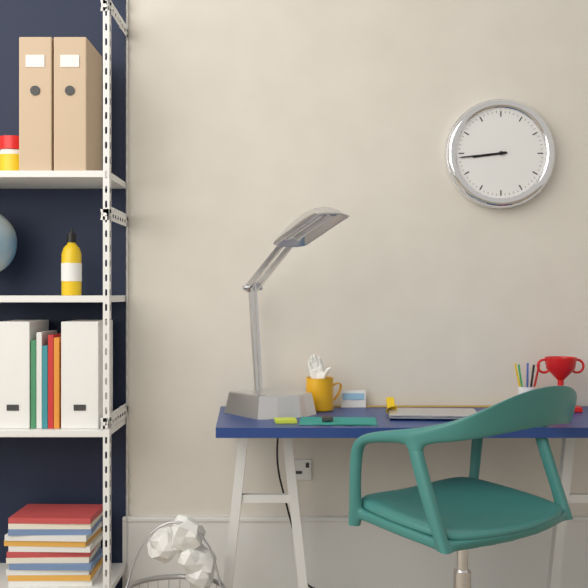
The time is **8:44**
